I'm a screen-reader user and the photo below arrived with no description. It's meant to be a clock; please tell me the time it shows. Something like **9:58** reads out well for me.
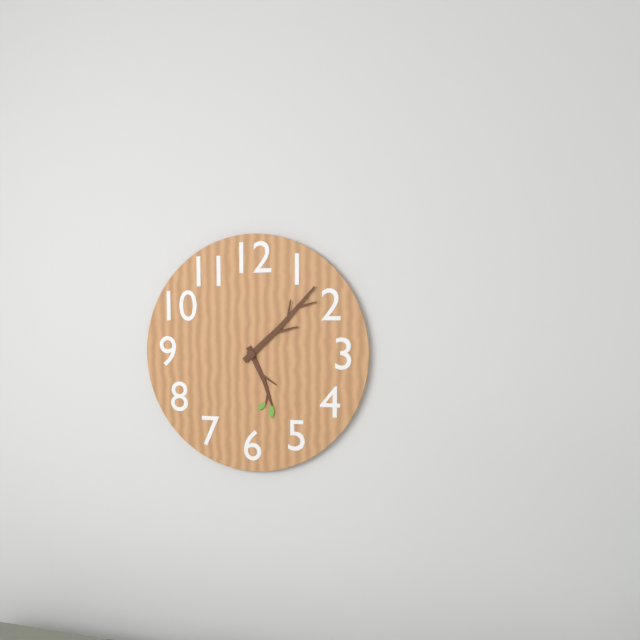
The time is **5:08**
